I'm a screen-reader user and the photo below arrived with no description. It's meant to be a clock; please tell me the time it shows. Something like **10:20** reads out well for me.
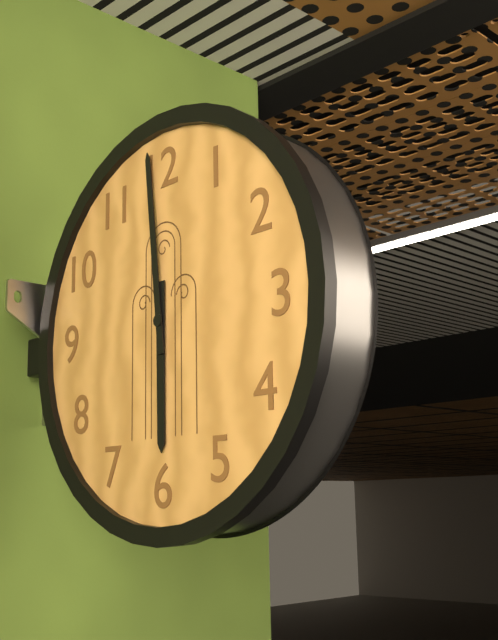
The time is **5:59**
